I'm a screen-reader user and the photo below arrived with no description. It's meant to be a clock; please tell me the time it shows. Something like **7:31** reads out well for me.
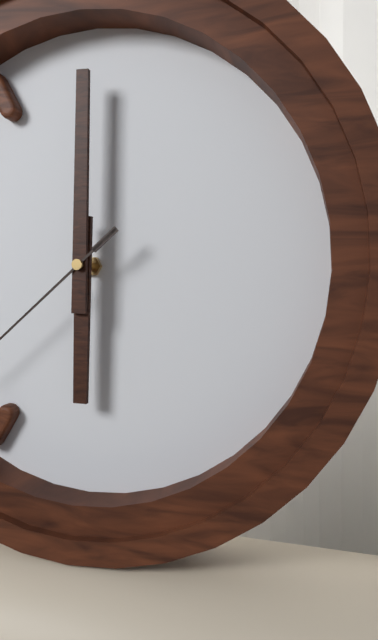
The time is **6:00**
